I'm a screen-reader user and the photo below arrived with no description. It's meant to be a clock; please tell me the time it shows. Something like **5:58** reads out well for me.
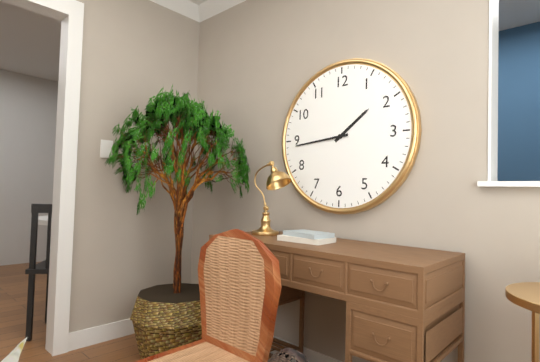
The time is **1:44**
